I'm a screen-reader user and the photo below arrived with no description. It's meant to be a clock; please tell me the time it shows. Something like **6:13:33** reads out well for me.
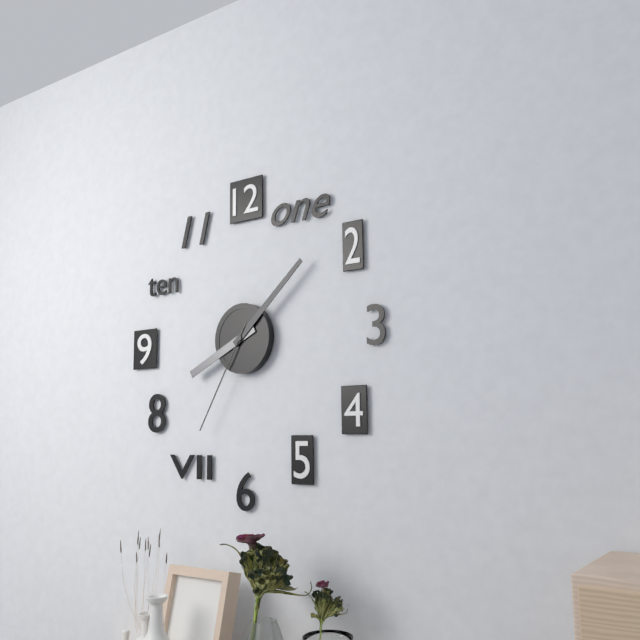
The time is **8:08:35**
